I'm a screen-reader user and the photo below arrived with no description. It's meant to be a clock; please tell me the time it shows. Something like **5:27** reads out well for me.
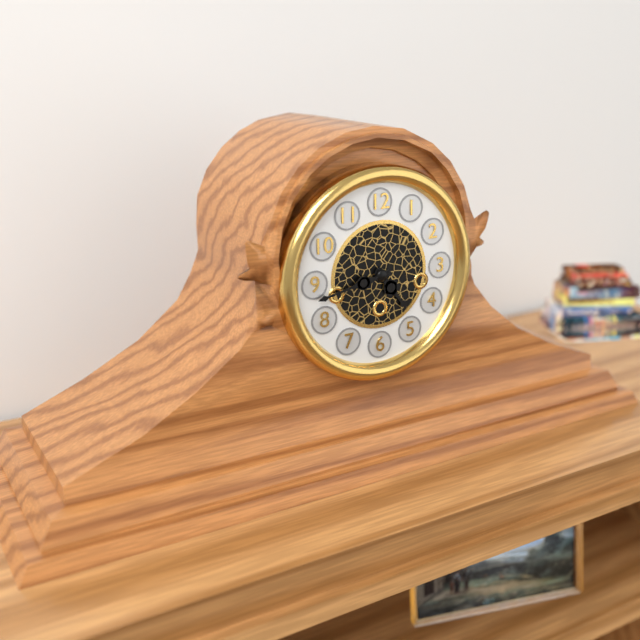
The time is **4:43**
